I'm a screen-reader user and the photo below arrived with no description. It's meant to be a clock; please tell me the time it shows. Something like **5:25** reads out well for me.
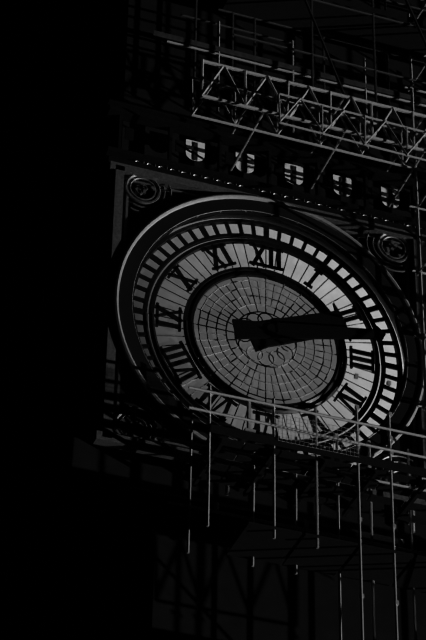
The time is **2:13**
